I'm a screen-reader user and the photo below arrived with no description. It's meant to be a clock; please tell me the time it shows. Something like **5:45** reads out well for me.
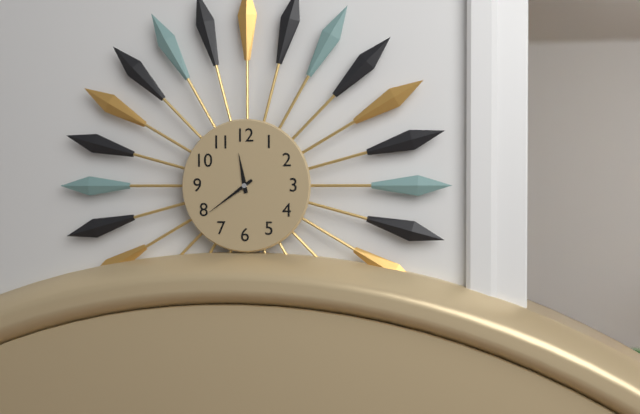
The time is **11:39**
